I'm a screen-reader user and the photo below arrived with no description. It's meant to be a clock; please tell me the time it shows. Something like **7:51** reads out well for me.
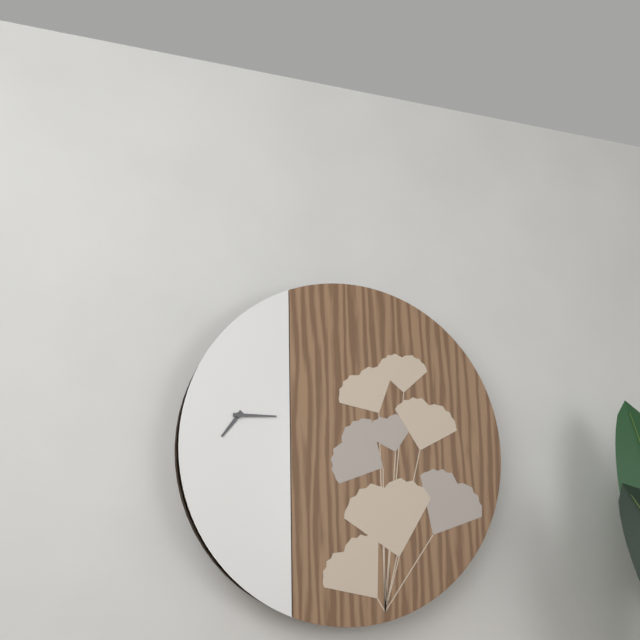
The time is **7:15**
